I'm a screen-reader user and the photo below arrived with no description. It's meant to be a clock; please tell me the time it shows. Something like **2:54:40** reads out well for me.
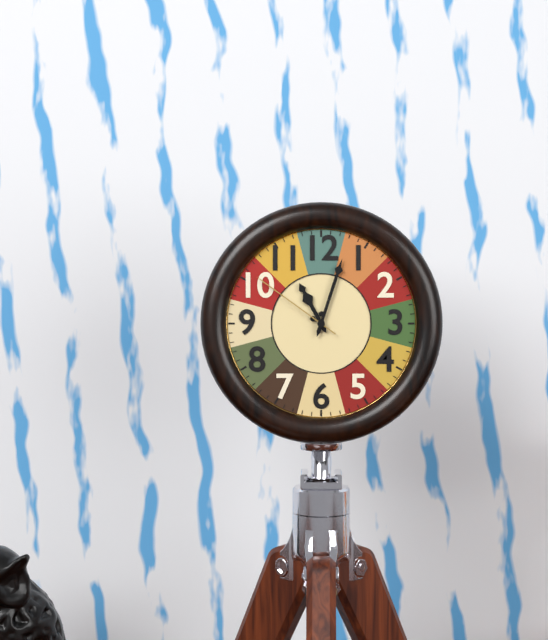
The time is **11:03:51**
